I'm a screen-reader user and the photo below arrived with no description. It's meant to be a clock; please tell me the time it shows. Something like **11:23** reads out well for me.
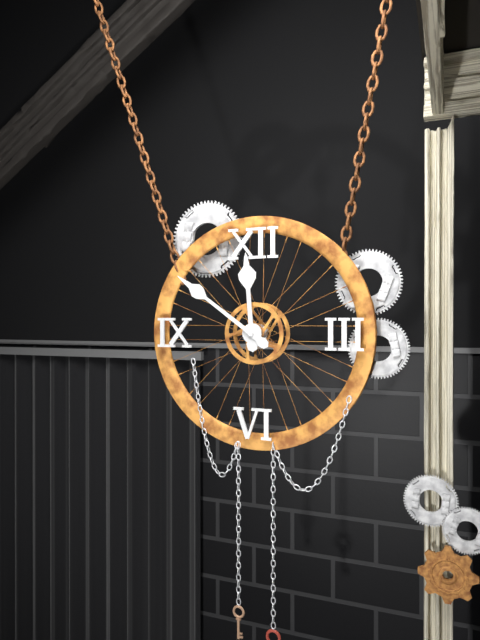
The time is **11:51**
